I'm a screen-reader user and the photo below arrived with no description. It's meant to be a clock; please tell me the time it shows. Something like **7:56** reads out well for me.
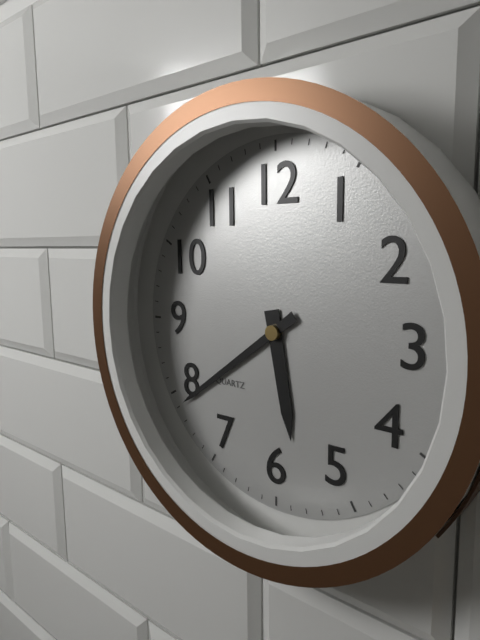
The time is **5:39**
